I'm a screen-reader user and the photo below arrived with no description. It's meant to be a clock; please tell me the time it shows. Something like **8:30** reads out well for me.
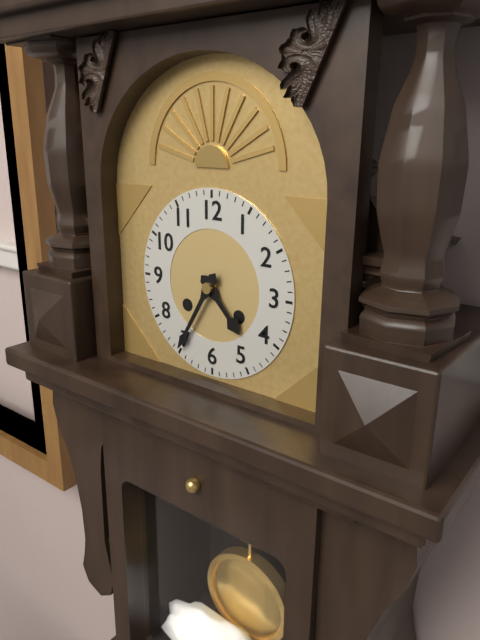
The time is **4:35**
